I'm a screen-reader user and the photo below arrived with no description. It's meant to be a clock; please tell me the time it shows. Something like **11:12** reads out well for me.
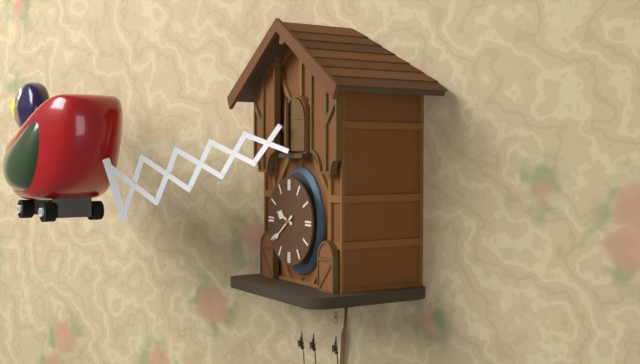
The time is **9:39**
